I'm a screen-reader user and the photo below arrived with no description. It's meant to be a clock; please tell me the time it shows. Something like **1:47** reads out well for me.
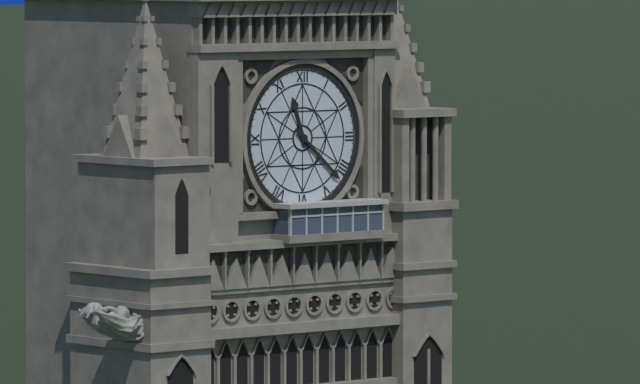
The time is **11:22**
